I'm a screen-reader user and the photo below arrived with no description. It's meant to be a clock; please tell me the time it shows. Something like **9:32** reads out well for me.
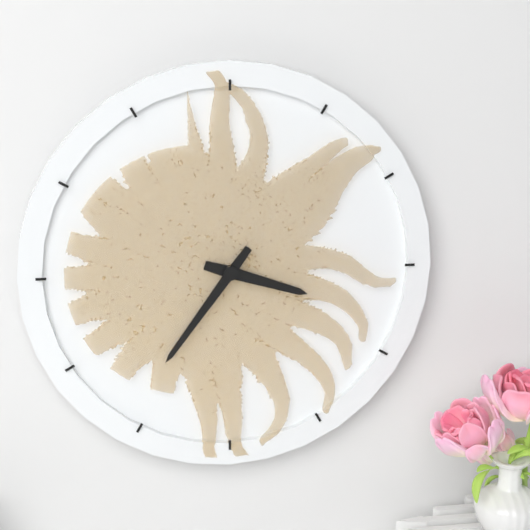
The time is **3:36**
